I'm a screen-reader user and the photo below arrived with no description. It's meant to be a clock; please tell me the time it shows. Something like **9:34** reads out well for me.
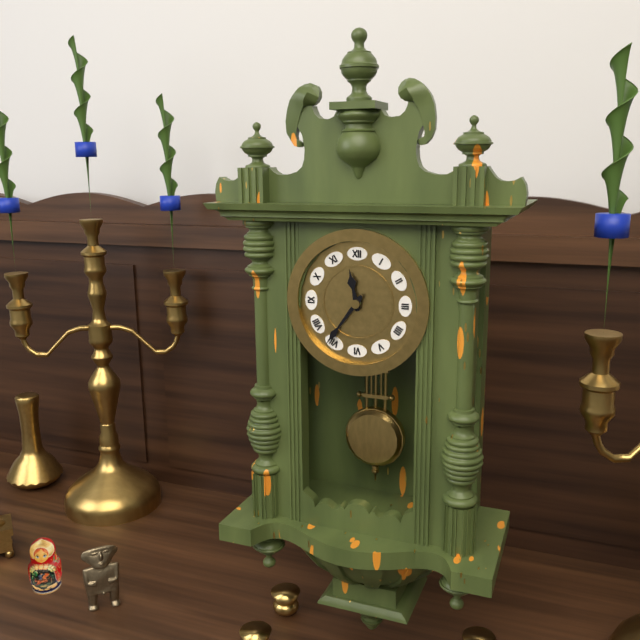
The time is **11:36**
